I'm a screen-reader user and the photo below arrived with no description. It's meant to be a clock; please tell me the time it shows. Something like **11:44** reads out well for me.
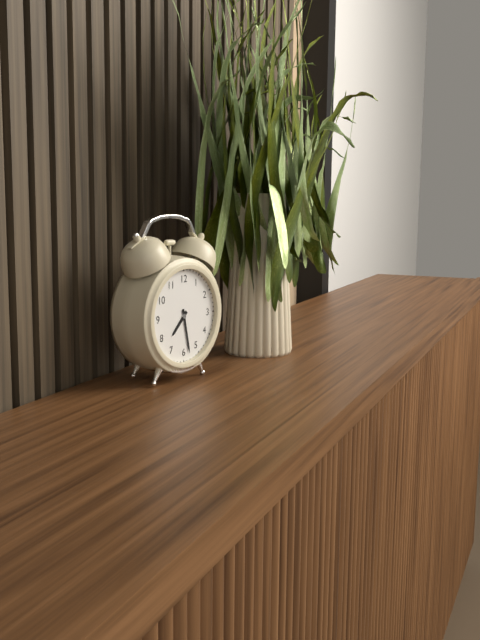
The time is **7:28**
